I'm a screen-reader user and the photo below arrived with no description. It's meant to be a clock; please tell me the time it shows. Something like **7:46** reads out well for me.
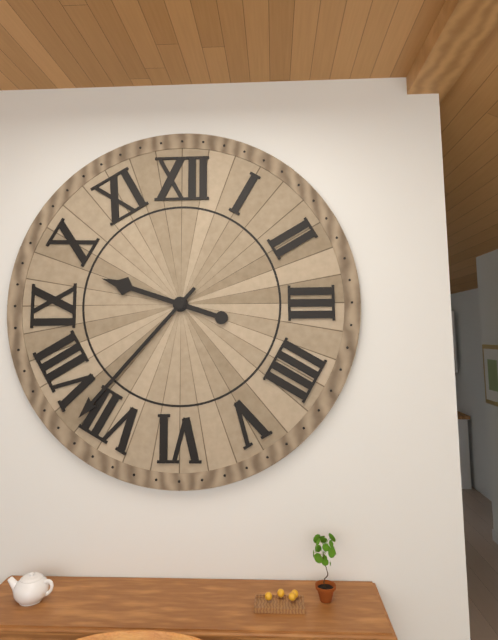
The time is **9:37**
